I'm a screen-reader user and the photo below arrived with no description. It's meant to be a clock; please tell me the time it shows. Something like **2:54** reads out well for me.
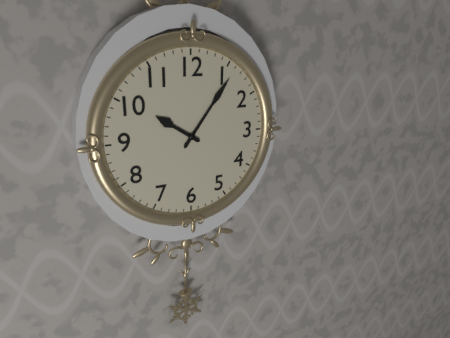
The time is **10:06**
